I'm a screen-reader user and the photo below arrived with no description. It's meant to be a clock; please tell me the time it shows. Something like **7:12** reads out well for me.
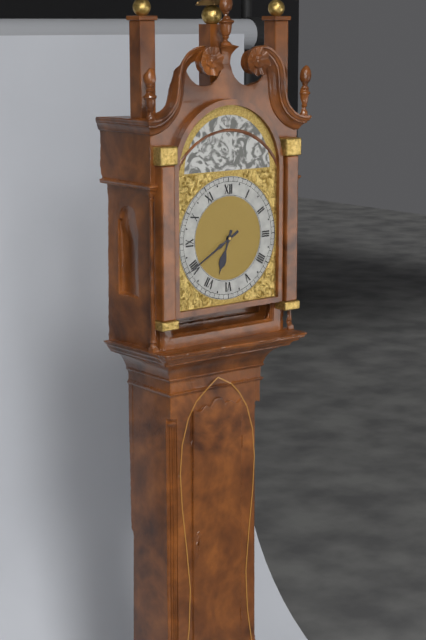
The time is **6:40**
